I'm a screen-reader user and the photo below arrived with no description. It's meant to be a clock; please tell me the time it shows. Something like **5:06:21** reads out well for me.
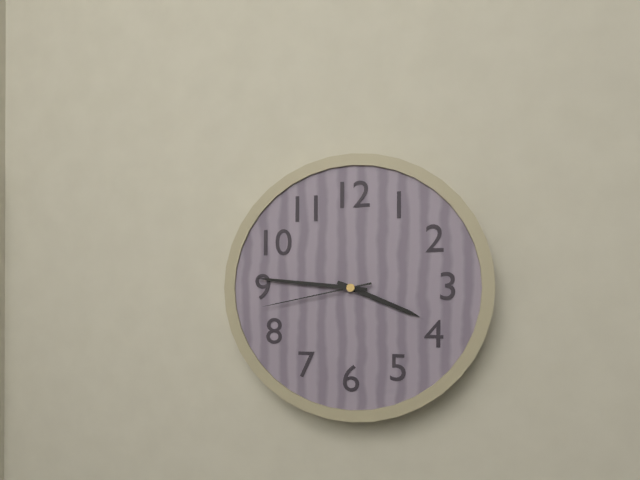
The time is **3:46:43**
